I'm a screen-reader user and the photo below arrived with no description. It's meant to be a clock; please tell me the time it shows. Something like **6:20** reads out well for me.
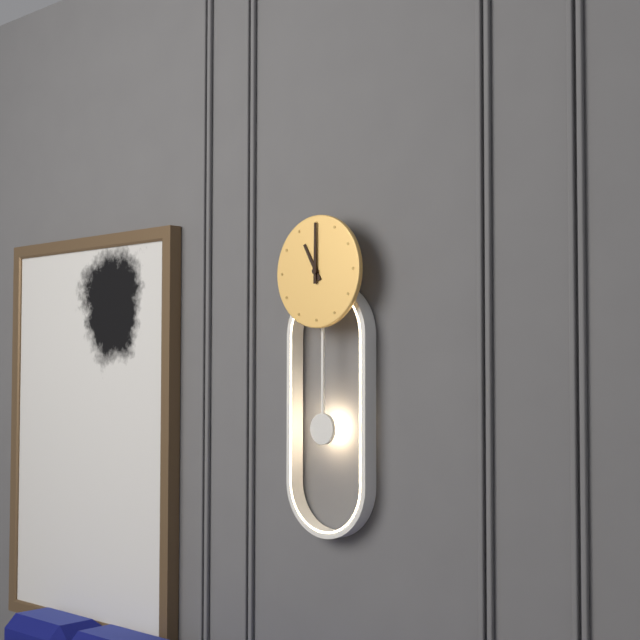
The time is **11:00**
